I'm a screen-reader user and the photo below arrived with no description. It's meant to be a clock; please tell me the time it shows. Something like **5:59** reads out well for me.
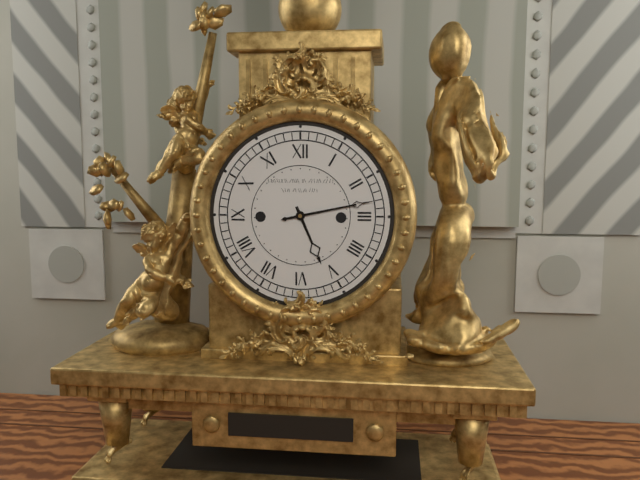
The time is **5:13**
